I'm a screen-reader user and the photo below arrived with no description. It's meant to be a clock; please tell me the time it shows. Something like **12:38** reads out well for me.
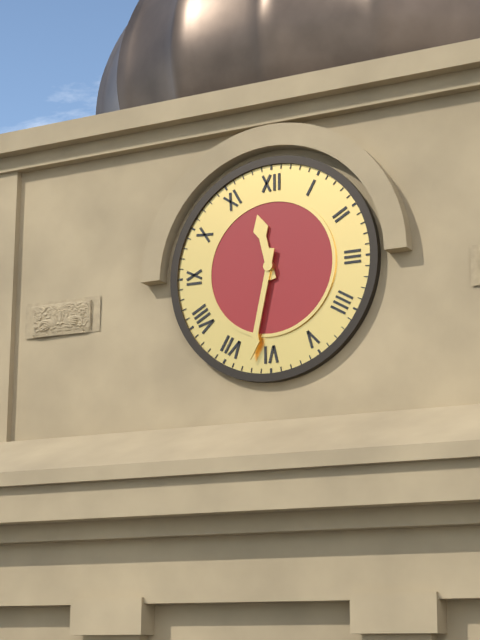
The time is **11:32**
